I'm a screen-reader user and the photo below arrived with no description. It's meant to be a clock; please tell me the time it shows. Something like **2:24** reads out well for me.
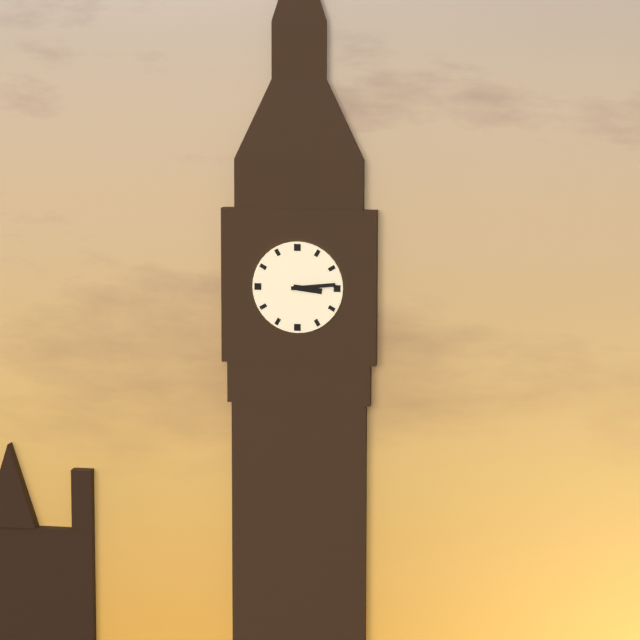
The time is **3:14**
